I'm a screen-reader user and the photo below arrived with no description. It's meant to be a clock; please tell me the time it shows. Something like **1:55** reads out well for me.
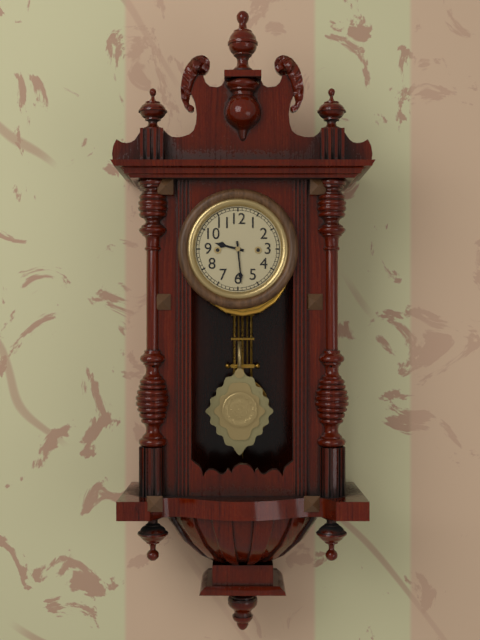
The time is **9:29**
